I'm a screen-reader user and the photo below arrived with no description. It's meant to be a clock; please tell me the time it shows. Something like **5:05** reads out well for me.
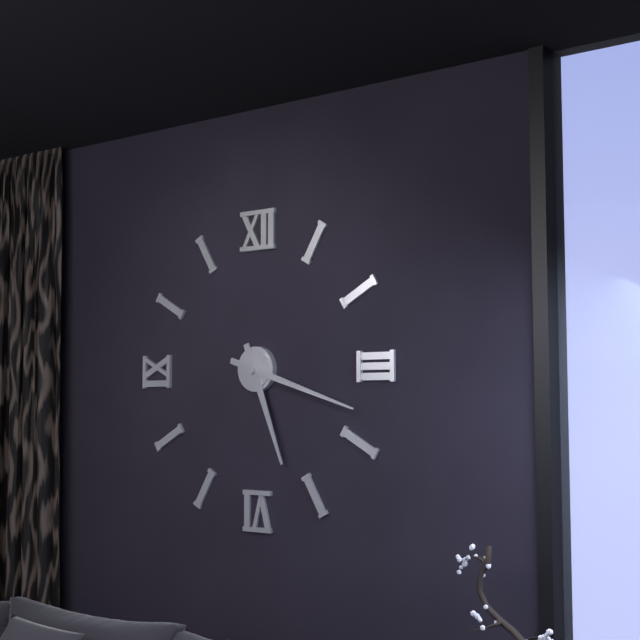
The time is **5:18**
